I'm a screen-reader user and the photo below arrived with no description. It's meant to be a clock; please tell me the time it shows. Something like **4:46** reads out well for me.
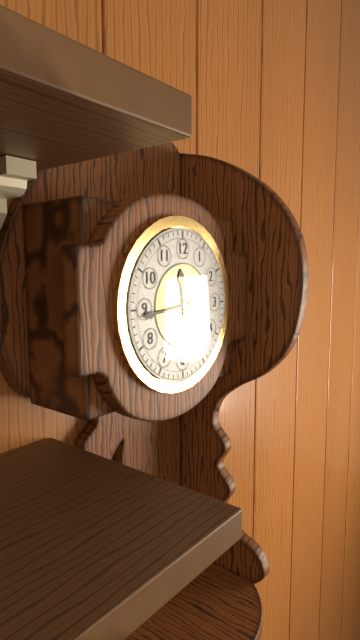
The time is **11:44**
